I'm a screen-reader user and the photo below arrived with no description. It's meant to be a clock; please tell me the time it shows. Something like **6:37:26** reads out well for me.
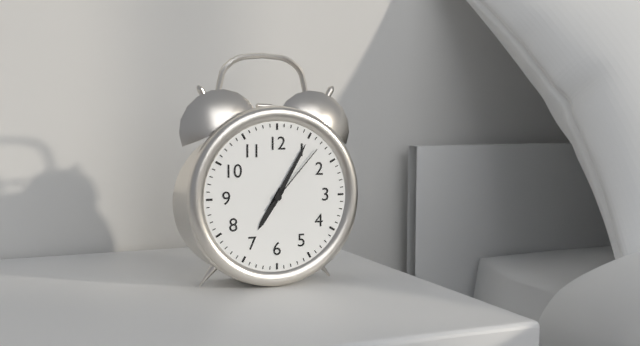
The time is **7:05:07**
